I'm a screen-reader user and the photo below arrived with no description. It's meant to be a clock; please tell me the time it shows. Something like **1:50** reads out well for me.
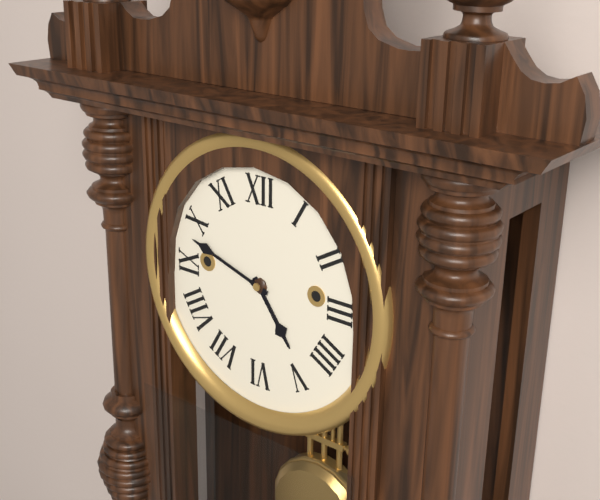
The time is **4:48**
